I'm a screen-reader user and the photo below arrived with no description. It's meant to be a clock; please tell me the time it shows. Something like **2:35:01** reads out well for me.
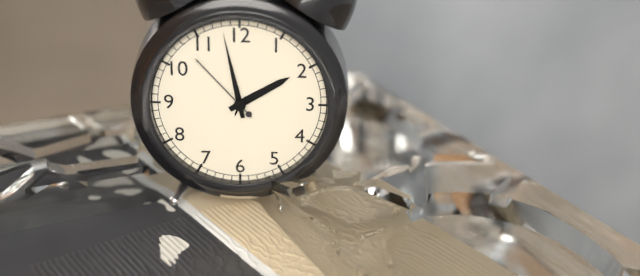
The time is **1:58:53**
